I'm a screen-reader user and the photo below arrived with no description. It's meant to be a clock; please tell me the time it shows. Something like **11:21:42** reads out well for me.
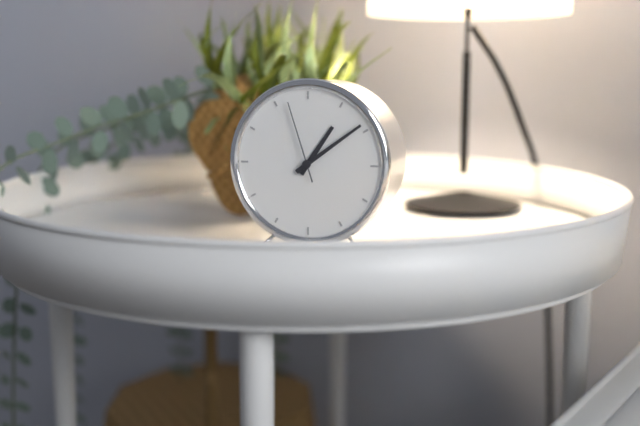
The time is **1:09:57**
